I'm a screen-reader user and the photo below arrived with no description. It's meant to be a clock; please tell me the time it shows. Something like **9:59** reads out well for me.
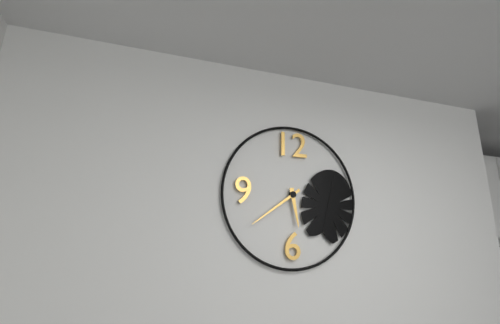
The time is **5:39**
